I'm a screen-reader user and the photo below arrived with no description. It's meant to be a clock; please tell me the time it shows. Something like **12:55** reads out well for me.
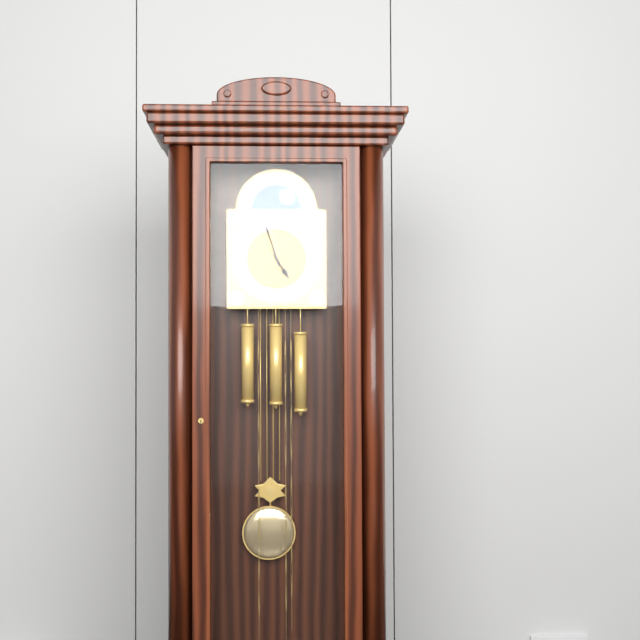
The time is **4:57**
